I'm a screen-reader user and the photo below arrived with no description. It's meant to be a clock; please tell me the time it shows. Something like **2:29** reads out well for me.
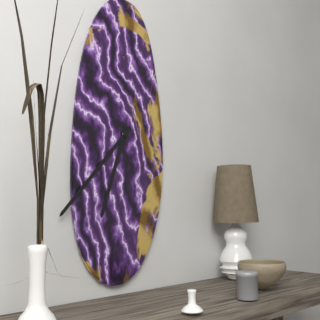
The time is **6:37**
